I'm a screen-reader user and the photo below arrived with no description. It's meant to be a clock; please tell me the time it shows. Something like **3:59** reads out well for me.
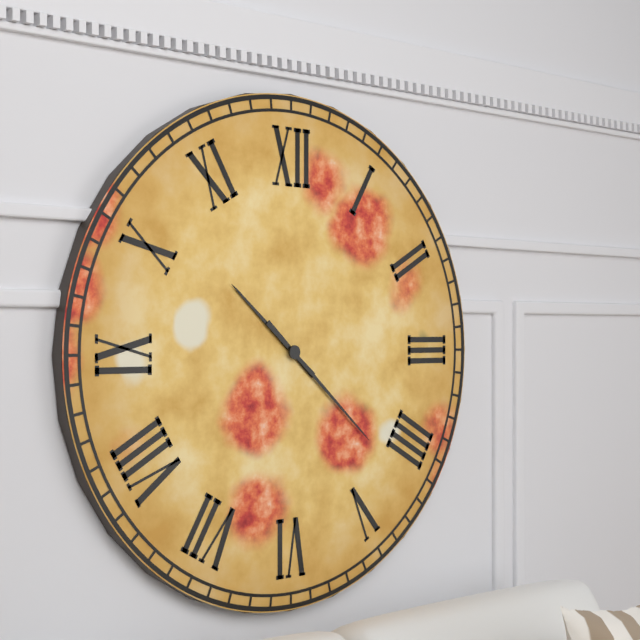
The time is **10:22**
